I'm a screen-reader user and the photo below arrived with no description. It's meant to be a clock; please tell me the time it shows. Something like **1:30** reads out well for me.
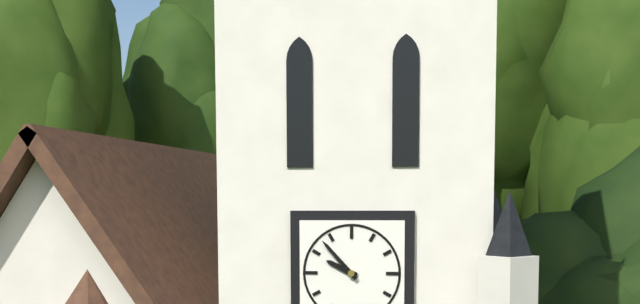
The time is **9:53**
